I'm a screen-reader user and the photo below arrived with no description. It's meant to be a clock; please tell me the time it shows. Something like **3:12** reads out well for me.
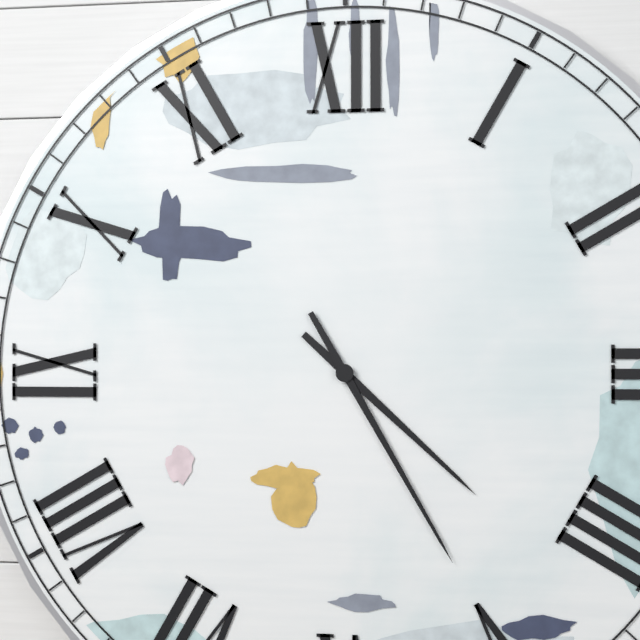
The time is **4:25**
